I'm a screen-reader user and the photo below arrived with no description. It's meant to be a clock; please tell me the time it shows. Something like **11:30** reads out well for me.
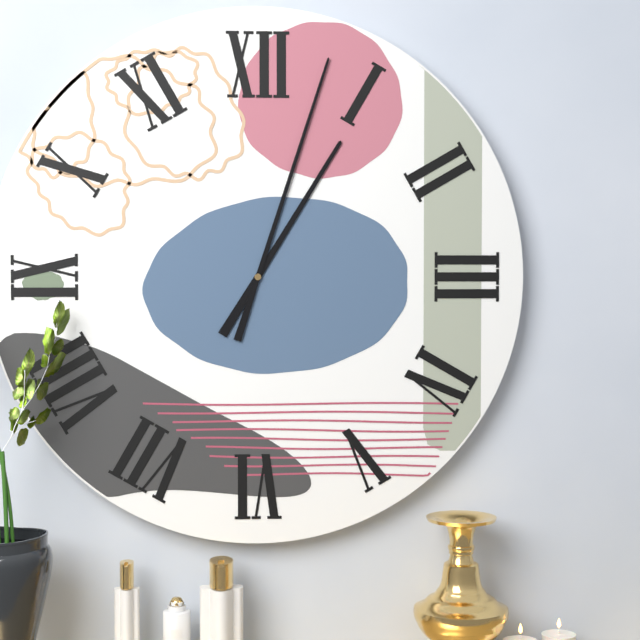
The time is **1:03**
